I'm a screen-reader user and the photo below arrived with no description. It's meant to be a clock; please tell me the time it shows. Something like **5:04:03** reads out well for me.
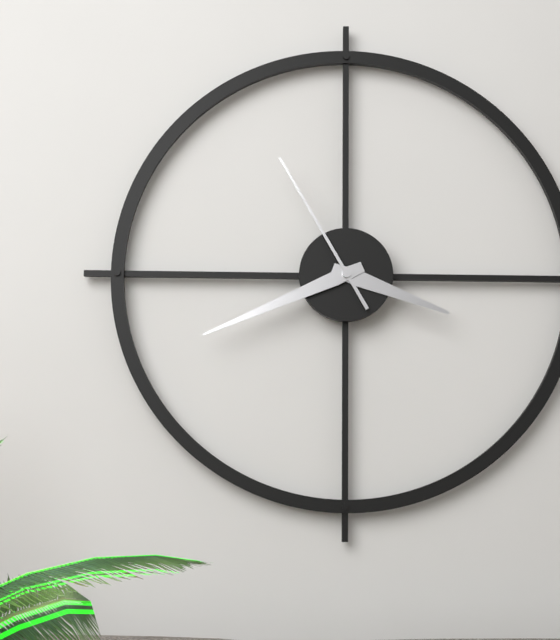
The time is **3:41:55**
